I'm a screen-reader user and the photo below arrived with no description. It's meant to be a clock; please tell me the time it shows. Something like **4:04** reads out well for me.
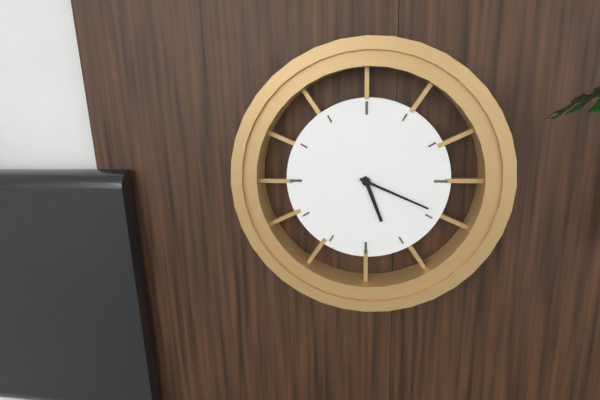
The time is **5:19**
